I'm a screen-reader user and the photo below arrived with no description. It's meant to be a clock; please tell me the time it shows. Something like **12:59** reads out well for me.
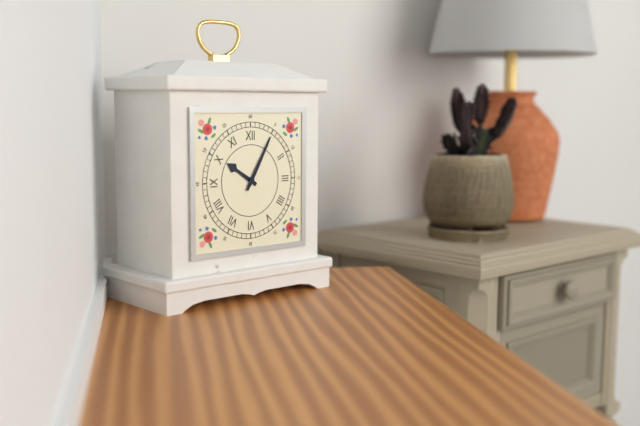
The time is **10:05**
